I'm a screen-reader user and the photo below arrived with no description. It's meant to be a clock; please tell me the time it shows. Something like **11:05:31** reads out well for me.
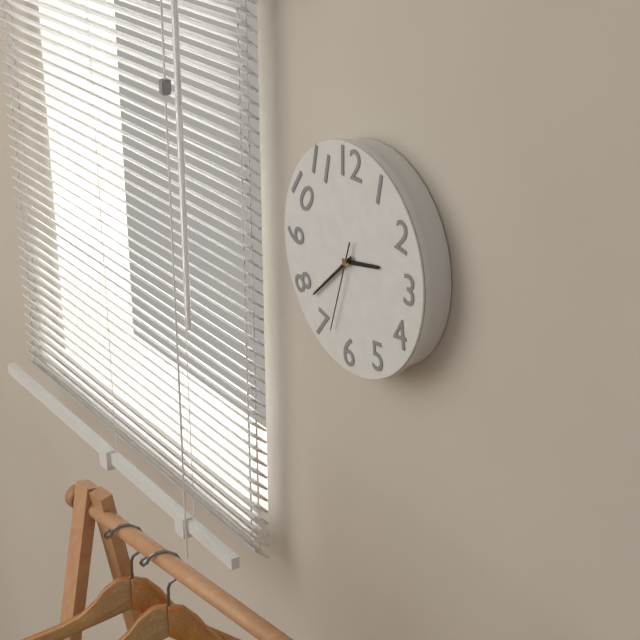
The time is **2:38:33**
